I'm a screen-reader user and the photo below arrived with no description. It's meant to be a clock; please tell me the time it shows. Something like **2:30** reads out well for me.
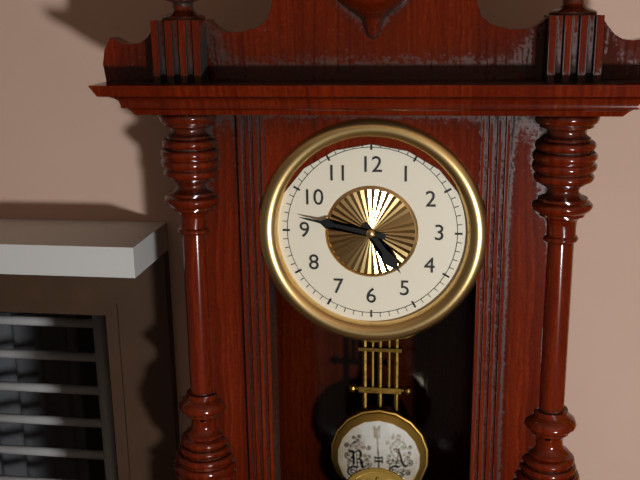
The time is **4:47**
